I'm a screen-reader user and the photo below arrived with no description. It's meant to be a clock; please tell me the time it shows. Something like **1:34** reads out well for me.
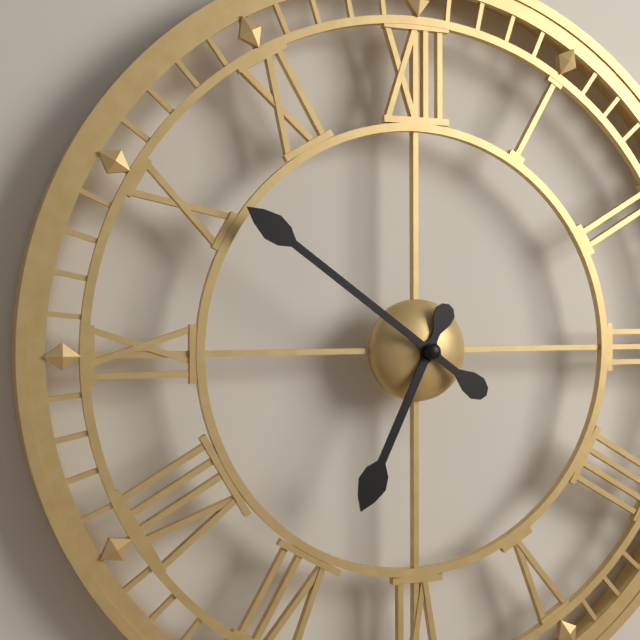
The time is **6:51**
